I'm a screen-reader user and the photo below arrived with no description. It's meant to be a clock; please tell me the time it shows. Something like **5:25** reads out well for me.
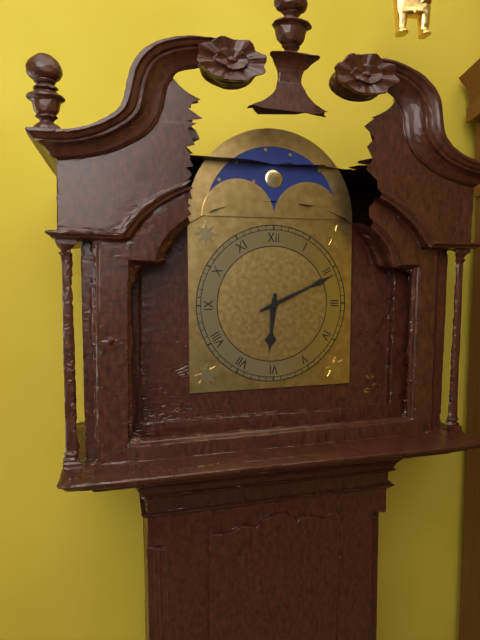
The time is **6:11**
